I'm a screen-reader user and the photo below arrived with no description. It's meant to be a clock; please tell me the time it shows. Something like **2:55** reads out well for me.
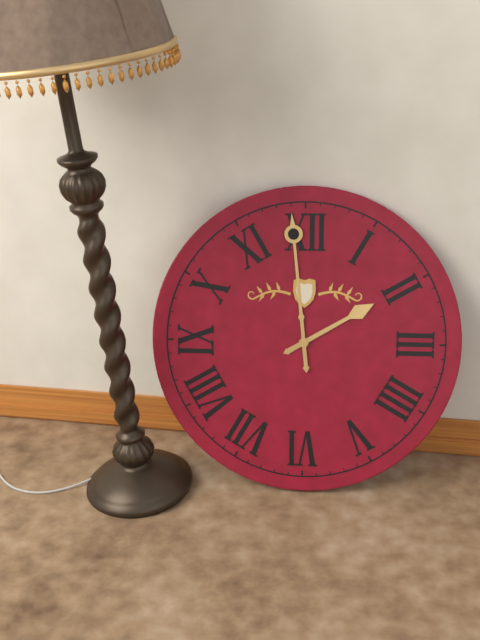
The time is **1:59**
